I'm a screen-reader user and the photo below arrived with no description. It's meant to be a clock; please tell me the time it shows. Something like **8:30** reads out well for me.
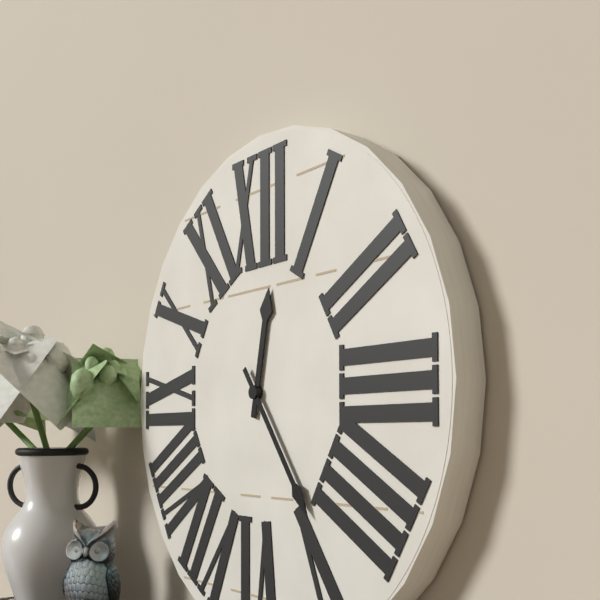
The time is **12:24**
